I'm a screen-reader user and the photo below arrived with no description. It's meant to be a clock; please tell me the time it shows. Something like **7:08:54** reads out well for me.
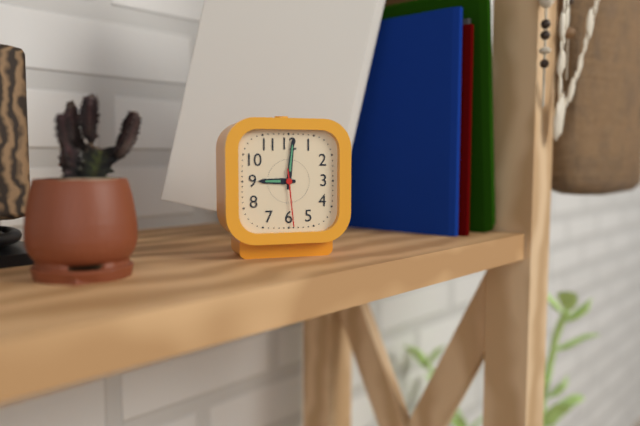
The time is **9:01:29**
